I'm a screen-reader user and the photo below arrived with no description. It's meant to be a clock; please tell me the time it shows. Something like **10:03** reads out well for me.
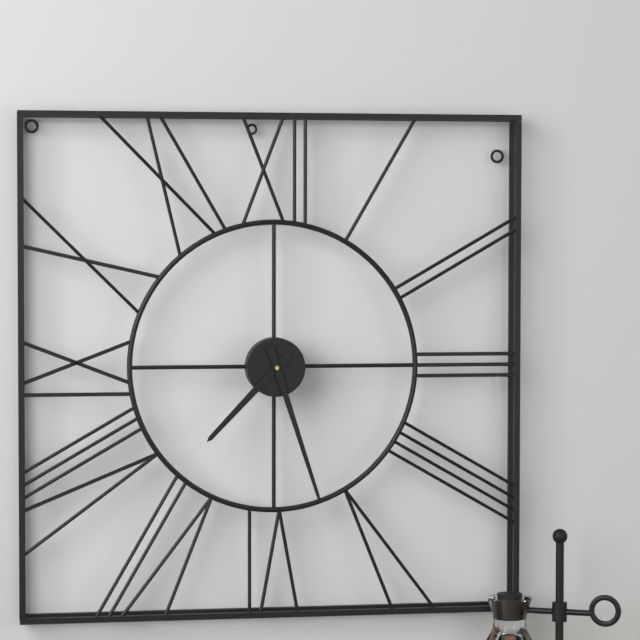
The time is **7:27**
